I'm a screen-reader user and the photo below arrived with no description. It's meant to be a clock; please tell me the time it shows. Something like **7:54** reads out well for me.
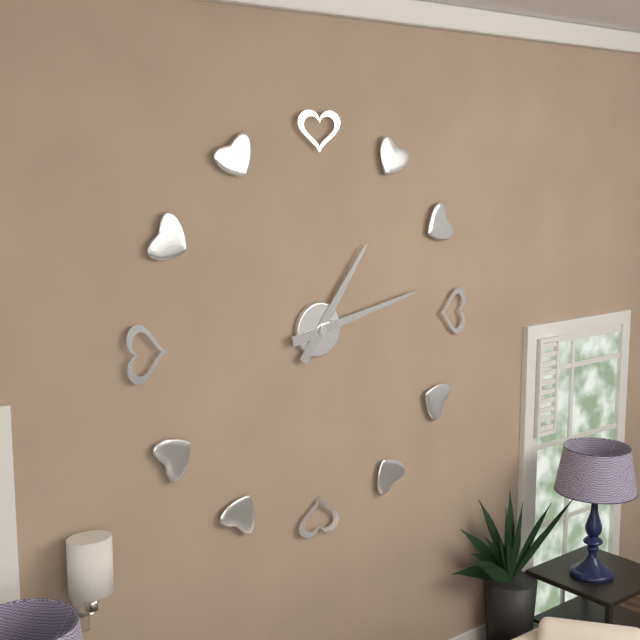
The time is **1:13**
